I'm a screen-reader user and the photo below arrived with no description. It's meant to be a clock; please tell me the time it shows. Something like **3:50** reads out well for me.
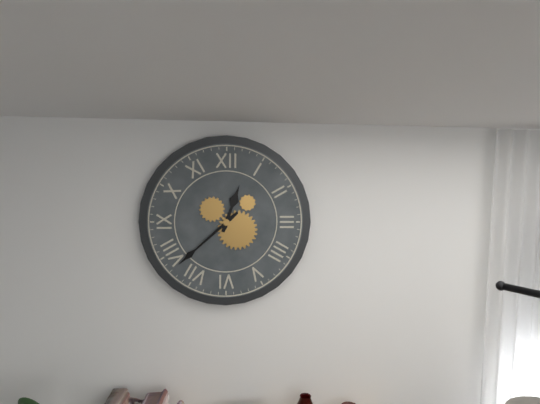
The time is **12:38**
